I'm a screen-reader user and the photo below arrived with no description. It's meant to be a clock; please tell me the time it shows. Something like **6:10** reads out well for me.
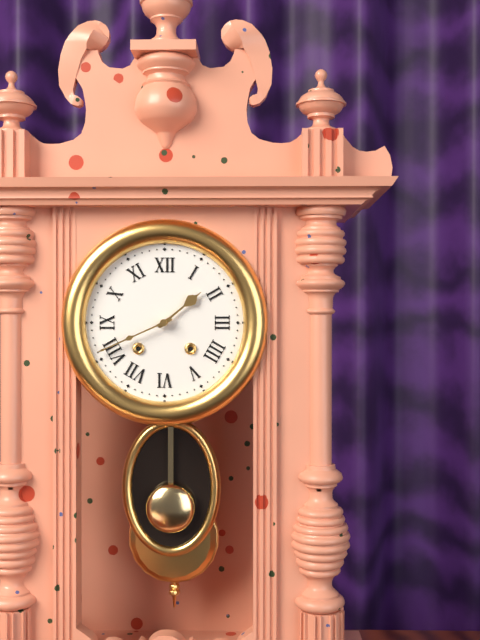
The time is **1:41**
